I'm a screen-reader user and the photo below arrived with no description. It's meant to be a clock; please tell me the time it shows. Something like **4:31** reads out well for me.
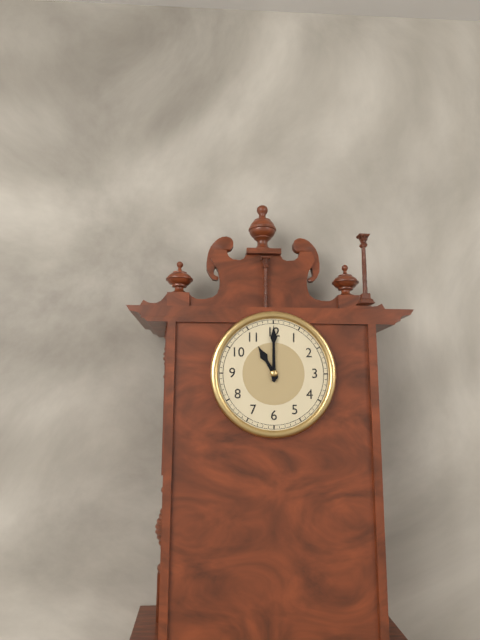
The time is **11:00**
